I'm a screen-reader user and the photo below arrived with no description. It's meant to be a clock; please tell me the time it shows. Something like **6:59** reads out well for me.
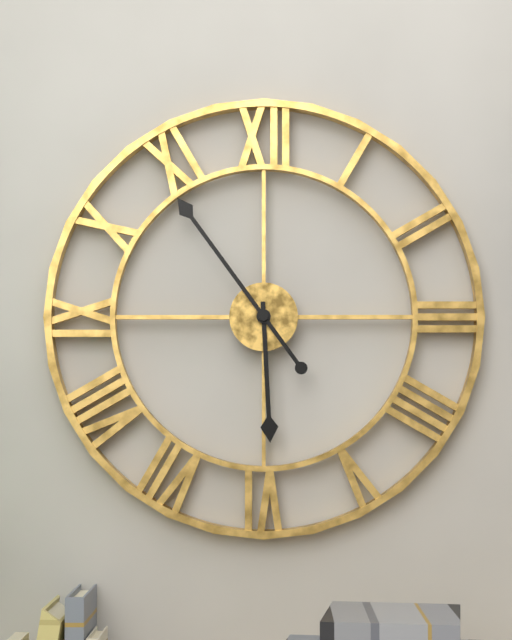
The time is **5:54**
